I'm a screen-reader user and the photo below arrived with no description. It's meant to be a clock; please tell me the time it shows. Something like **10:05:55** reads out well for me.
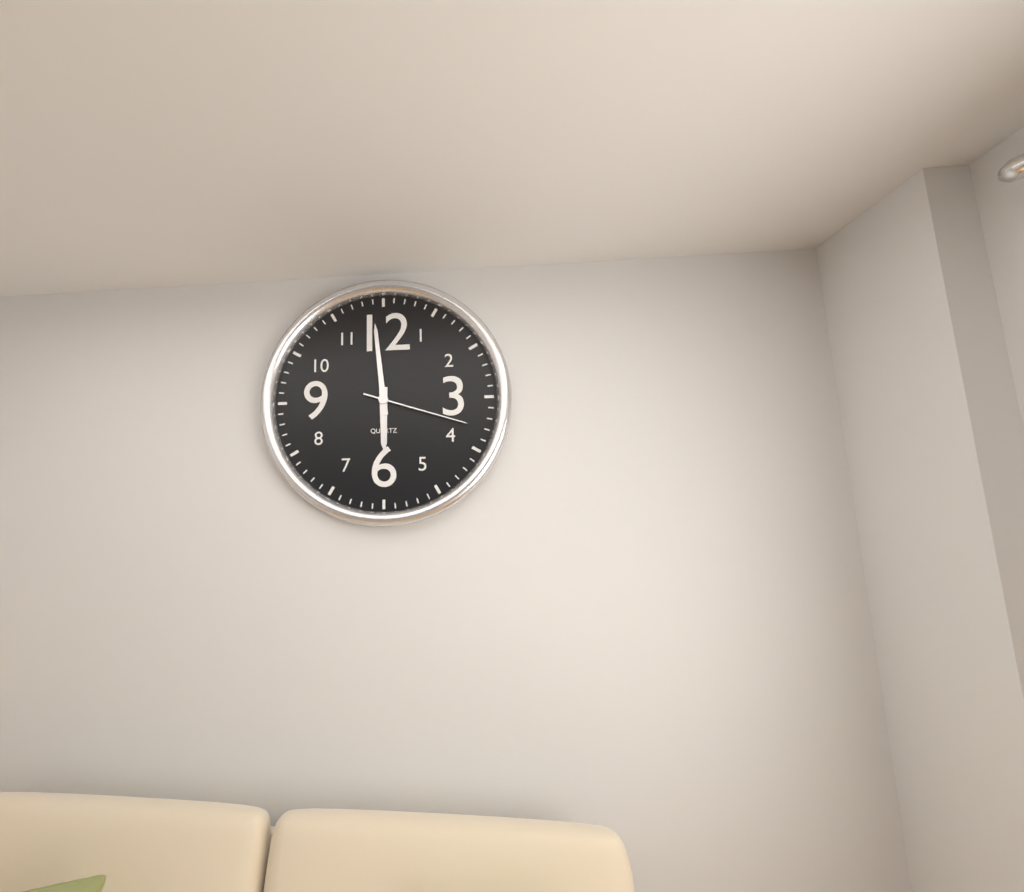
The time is **5:59:18**
